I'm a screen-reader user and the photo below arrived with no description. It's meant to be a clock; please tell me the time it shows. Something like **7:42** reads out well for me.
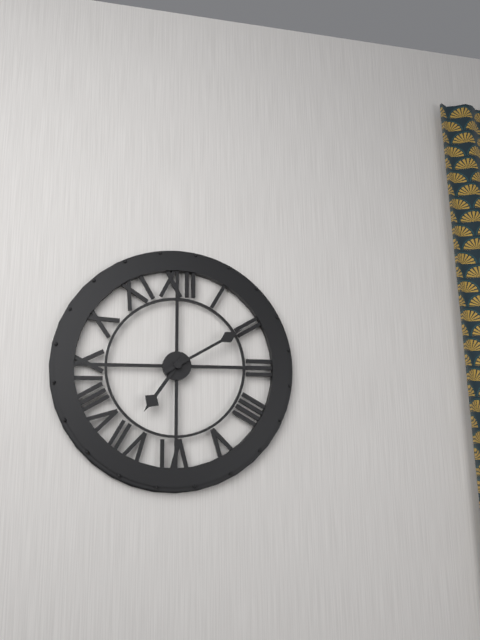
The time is **7:10**
